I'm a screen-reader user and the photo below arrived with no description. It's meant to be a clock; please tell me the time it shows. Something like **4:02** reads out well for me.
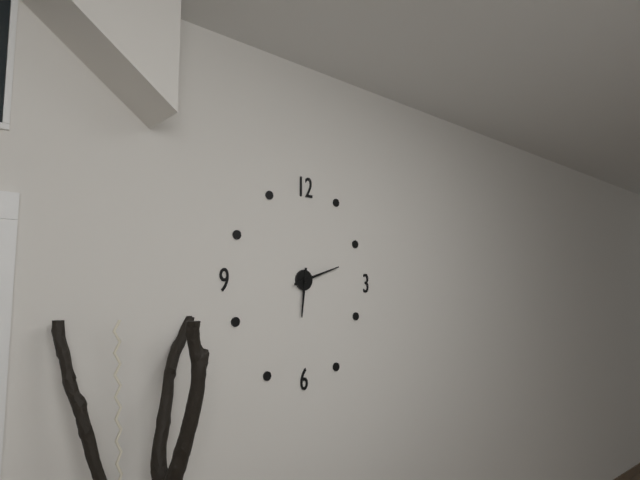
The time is **6:12**
